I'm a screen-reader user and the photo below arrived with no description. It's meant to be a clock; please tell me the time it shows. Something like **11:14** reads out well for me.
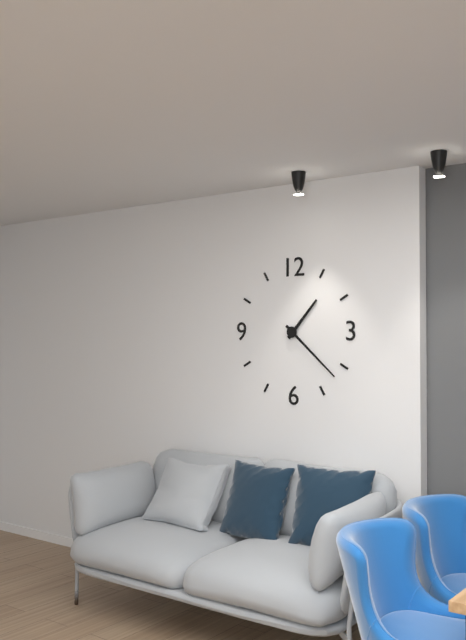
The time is **1:22**
